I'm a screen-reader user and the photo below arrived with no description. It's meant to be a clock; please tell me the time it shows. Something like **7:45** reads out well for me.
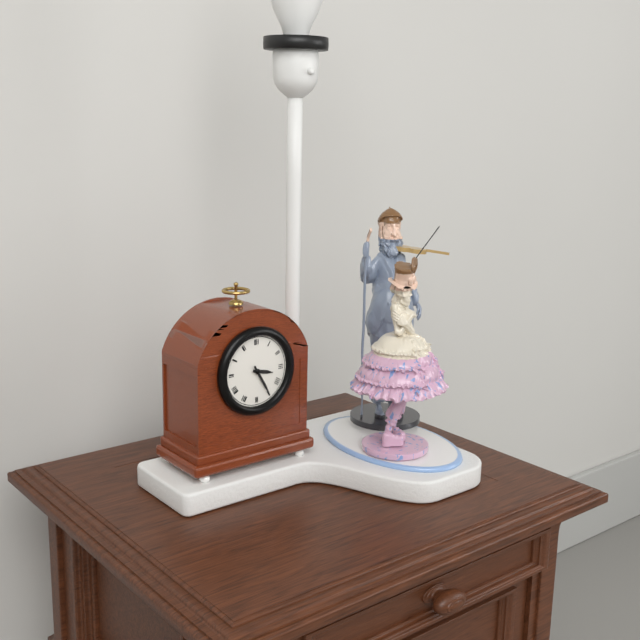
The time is **3:25**
